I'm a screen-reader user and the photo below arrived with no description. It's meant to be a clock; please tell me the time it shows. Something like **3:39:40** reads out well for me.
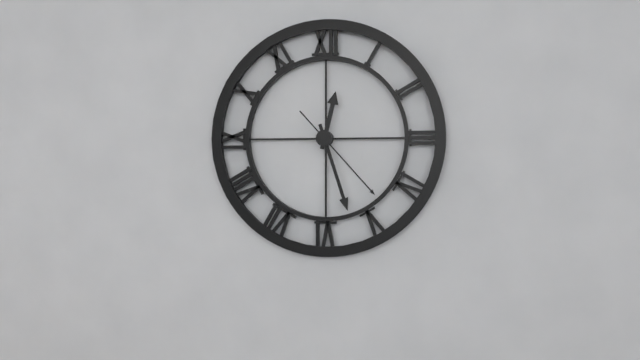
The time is **12:27:23**
